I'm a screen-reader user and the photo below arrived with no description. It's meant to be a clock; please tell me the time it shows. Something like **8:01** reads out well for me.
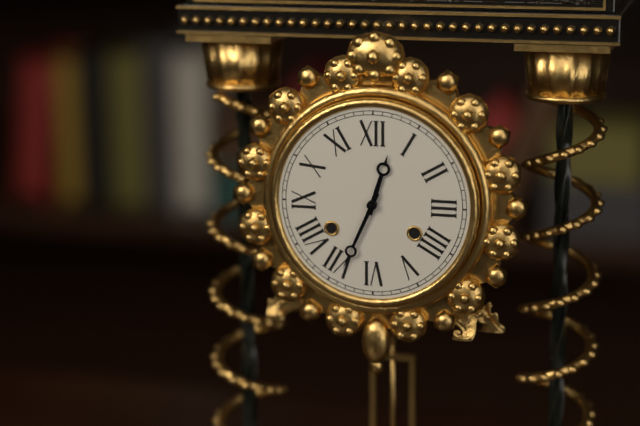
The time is **12:34**
